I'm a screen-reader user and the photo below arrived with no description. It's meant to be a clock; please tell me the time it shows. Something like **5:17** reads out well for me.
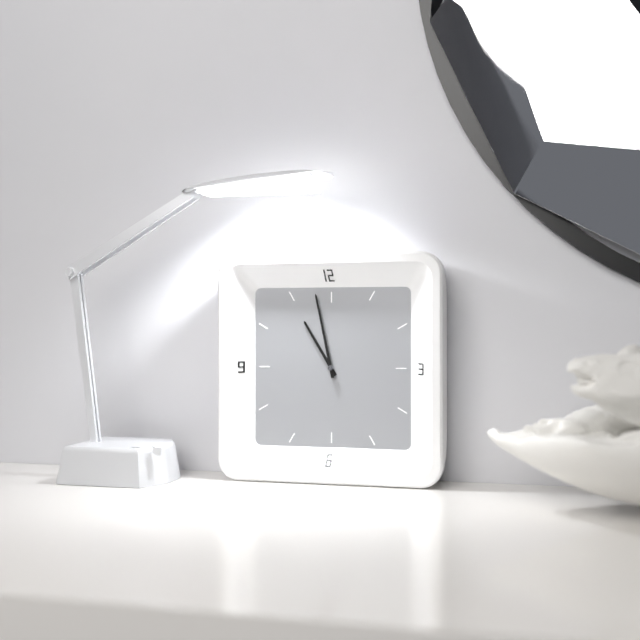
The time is **10:58**
